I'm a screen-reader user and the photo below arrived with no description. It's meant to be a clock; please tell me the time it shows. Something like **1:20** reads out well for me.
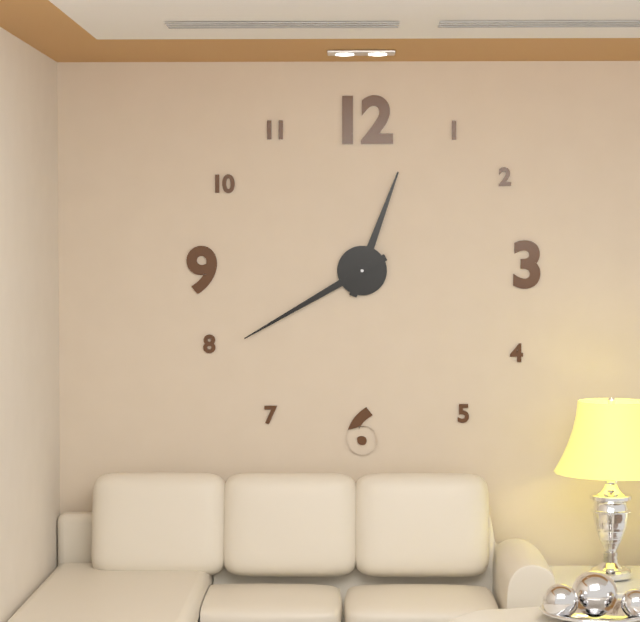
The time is **12:40**
